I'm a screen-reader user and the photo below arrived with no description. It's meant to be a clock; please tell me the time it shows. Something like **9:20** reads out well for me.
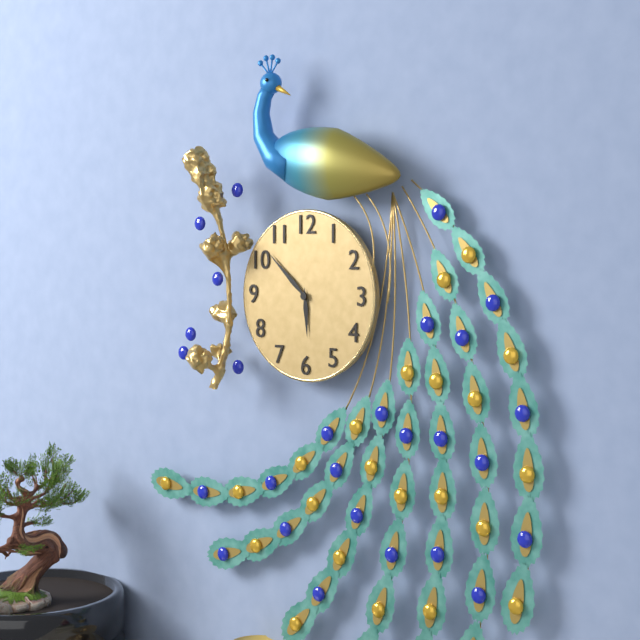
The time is **5:52**
